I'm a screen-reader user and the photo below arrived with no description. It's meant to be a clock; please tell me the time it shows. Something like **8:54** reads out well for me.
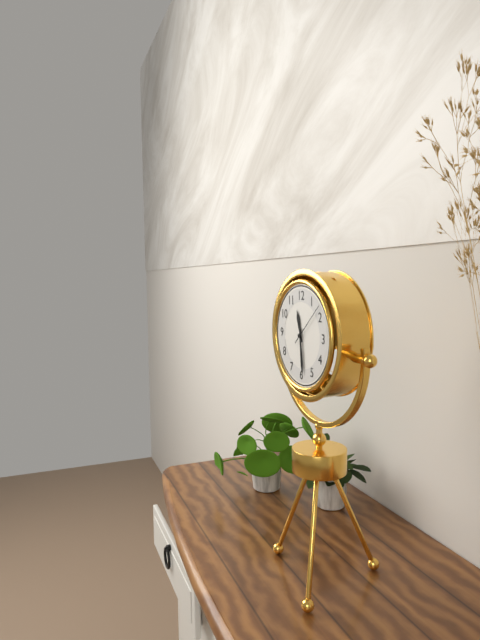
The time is **11:29**
